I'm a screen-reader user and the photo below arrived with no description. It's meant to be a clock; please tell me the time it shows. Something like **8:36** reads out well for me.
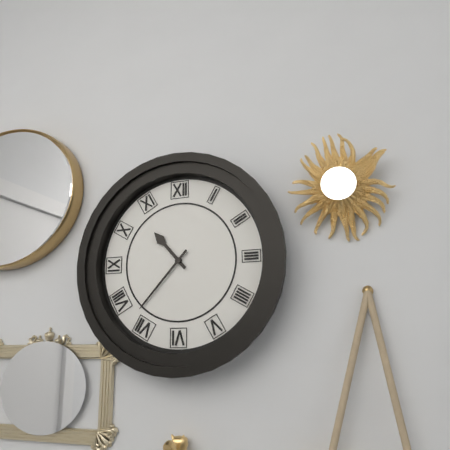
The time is **10:37**
